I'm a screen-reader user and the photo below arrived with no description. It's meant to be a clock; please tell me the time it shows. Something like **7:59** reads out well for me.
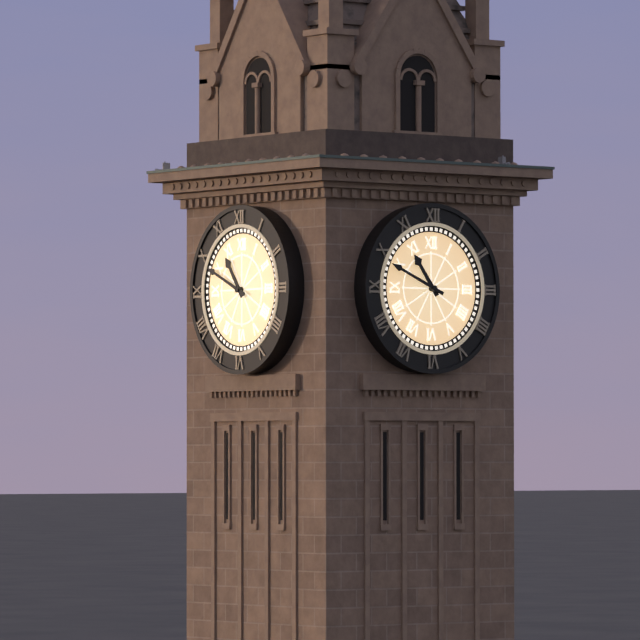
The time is **10:49**
